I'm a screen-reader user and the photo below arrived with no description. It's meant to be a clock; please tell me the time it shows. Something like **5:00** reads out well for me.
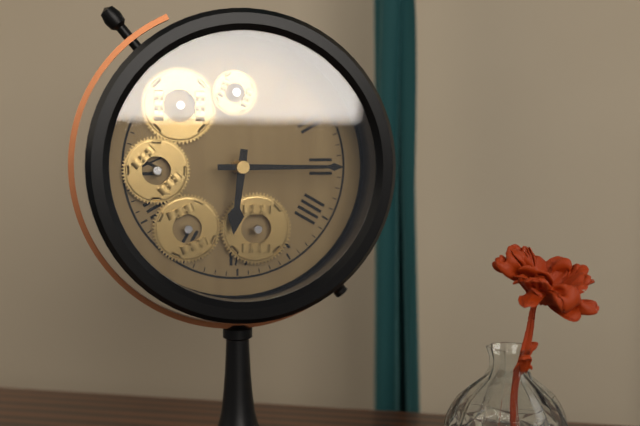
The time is **6:15**
